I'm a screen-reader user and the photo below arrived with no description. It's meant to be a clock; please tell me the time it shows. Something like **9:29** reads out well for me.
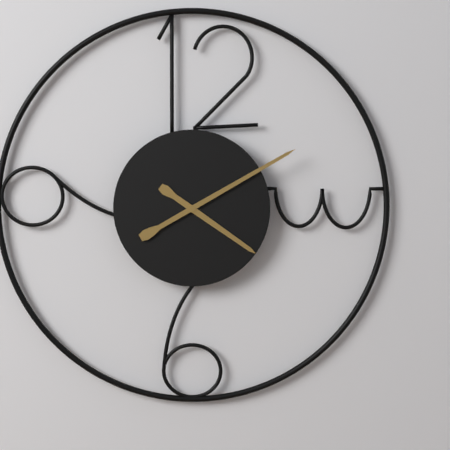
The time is **4:10**
